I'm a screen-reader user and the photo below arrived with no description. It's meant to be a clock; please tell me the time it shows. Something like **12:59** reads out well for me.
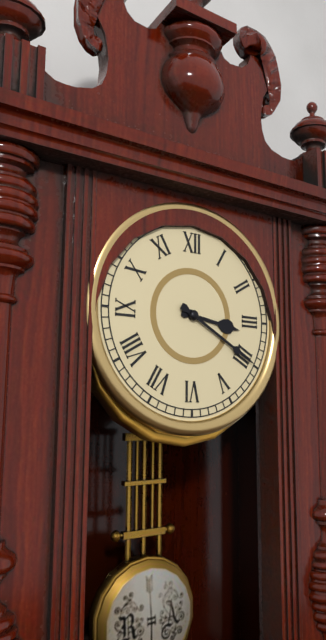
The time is **3:20**
